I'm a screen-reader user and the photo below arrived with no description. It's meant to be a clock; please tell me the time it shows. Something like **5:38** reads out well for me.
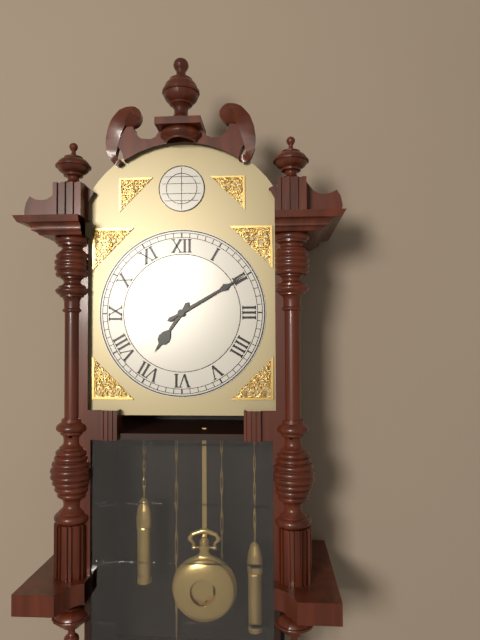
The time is **7:10**
